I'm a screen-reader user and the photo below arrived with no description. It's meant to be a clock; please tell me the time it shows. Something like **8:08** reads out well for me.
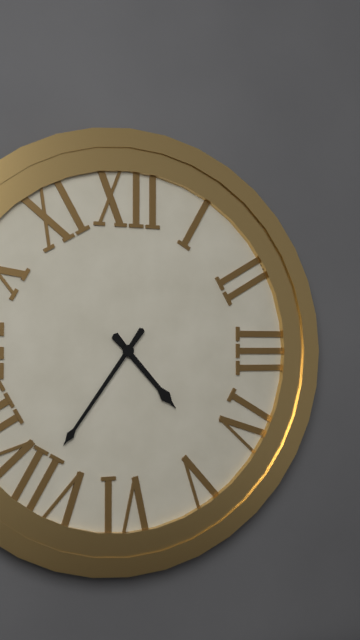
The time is **4:36**
